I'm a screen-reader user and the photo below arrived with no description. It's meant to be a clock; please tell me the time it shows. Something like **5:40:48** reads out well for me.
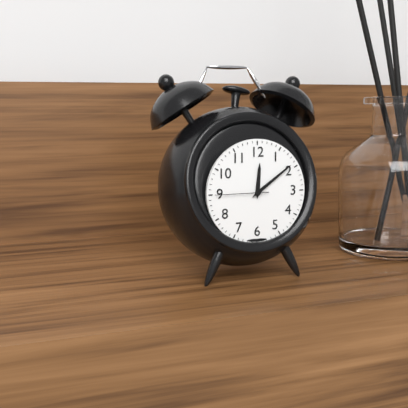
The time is **12:09:45**
